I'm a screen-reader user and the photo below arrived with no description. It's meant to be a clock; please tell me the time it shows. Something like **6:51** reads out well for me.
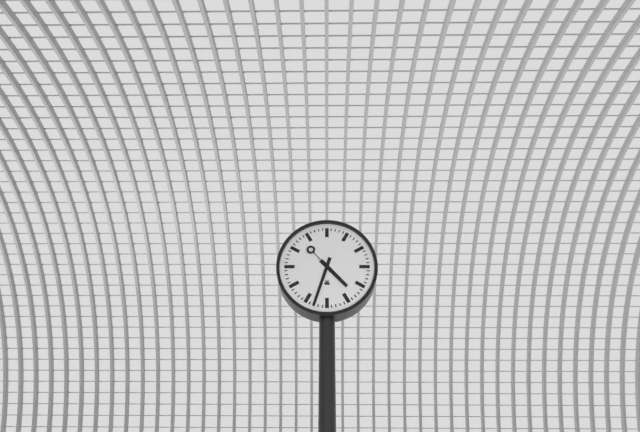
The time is **4:33**
